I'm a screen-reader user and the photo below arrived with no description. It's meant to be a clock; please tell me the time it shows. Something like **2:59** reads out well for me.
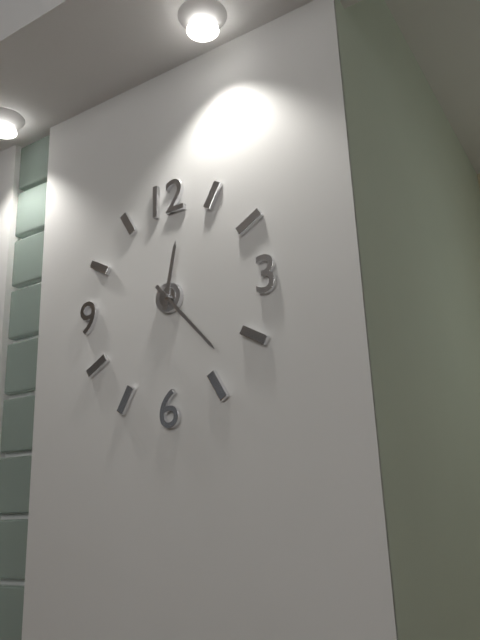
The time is **12:23**
